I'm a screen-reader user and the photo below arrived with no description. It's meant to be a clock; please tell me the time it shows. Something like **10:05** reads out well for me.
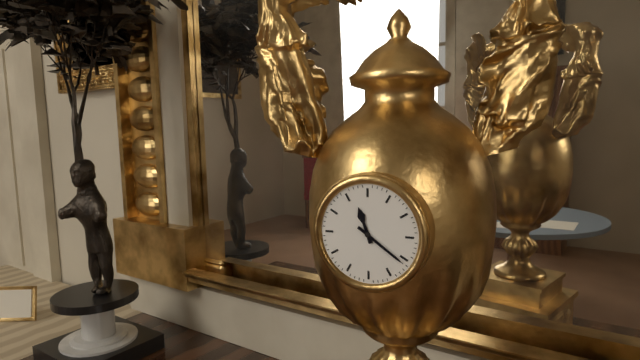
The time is **11:21**
